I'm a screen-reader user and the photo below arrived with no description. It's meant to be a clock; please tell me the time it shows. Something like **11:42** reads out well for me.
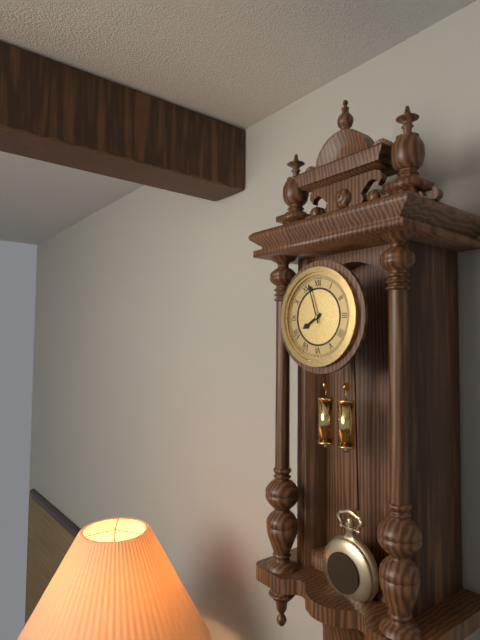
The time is **7:57**
